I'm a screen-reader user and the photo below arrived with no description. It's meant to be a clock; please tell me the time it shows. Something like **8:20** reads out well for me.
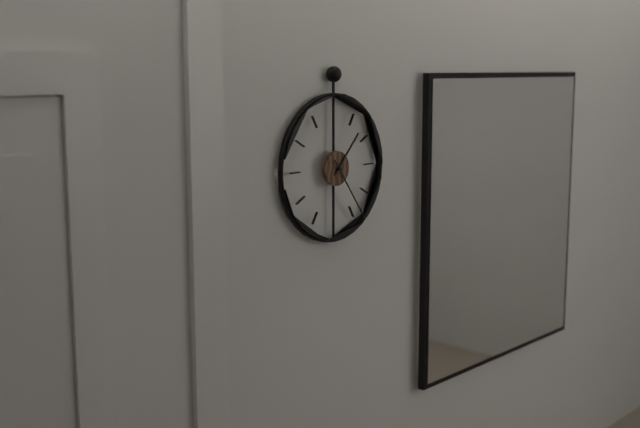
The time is **1:24**
